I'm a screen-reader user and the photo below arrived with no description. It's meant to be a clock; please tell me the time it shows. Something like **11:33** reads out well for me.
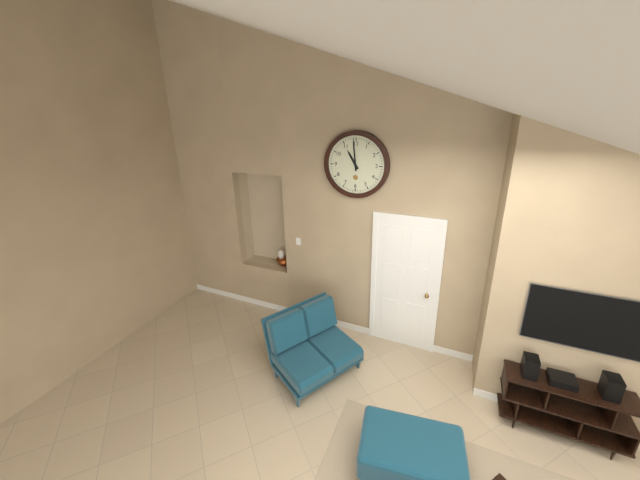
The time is **10:59**
